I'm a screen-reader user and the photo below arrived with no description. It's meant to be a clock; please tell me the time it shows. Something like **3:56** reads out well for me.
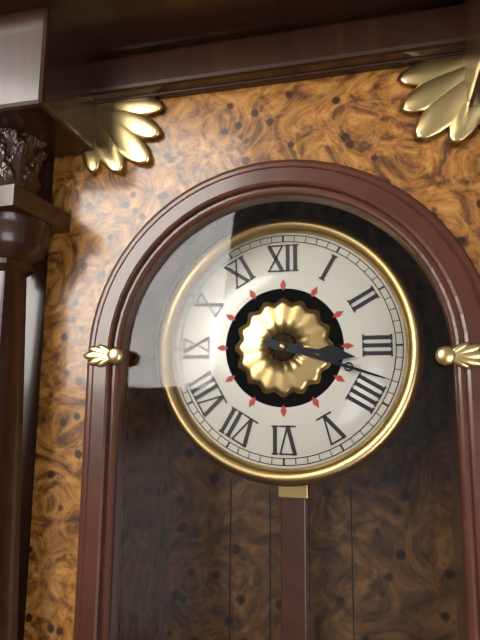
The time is **3:18**
